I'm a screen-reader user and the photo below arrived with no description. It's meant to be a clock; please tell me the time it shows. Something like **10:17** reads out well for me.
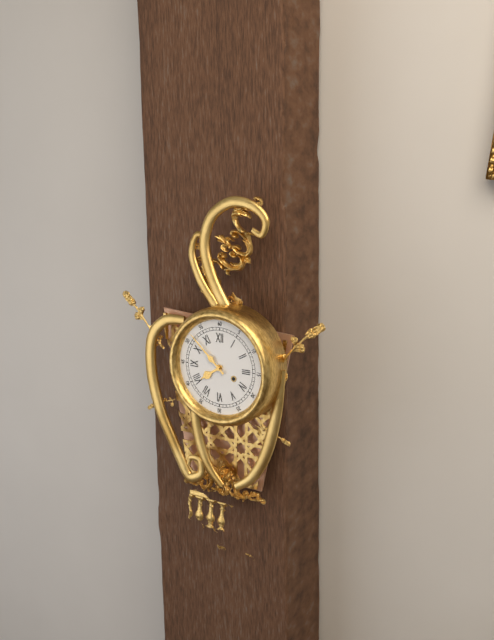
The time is **7:52**
